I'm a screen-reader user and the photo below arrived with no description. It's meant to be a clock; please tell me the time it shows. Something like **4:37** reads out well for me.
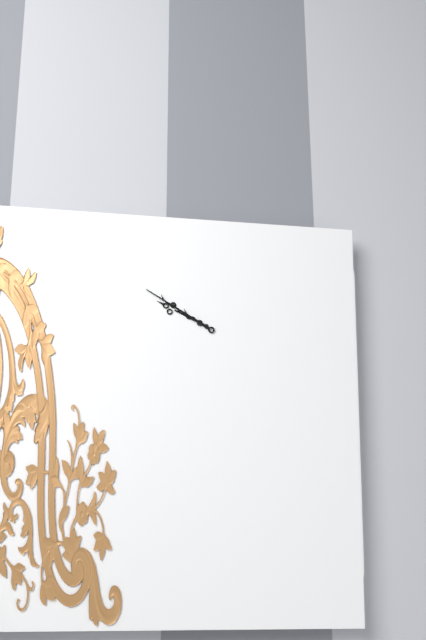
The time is **9:50**
